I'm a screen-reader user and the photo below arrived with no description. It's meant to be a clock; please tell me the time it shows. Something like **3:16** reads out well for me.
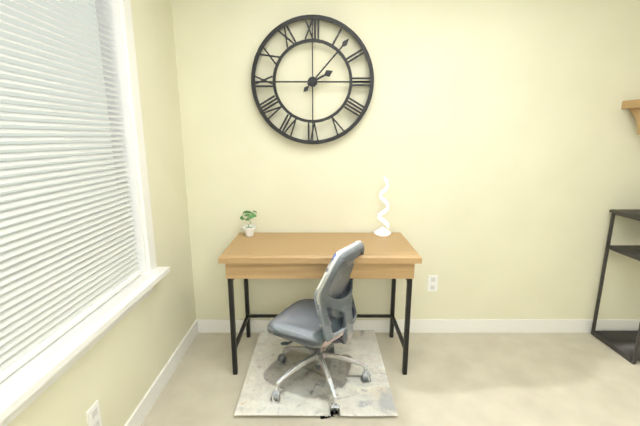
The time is **2:07**
